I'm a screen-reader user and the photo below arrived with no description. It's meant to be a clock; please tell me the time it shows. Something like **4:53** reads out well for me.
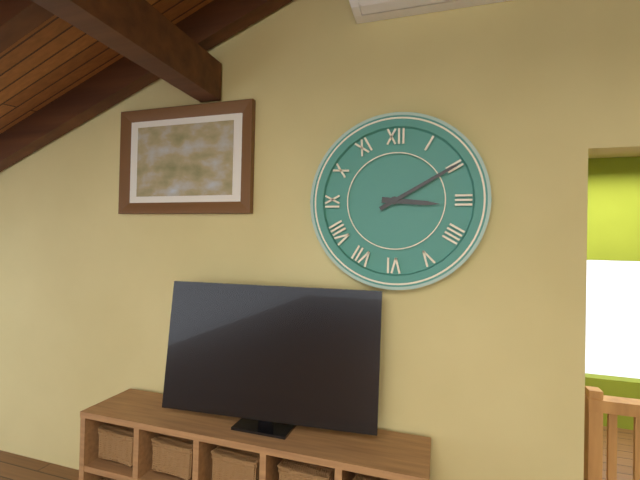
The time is **3:10**
